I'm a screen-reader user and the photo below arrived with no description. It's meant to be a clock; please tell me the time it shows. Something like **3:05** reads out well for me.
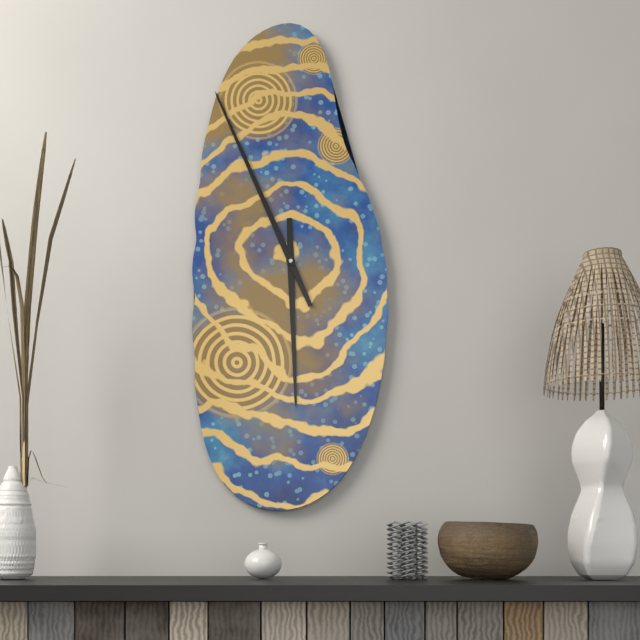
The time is **5:56**
